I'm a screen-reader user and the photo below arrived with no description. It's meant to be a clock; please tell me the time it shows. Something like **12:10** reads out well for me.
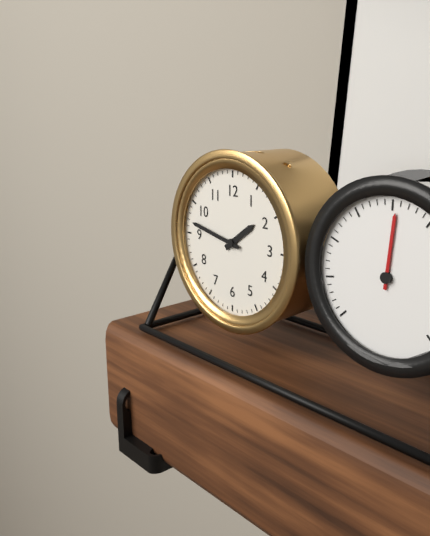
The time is **1:47**
